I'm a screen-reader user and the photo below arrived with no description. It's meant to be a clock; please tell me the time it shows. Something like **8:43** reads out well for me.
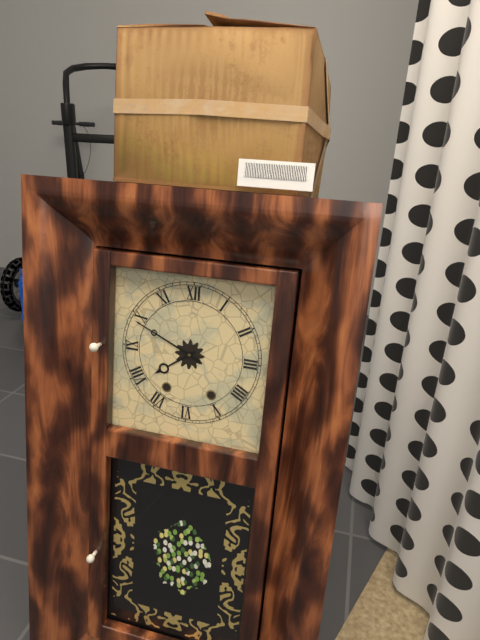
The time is **7:49**
